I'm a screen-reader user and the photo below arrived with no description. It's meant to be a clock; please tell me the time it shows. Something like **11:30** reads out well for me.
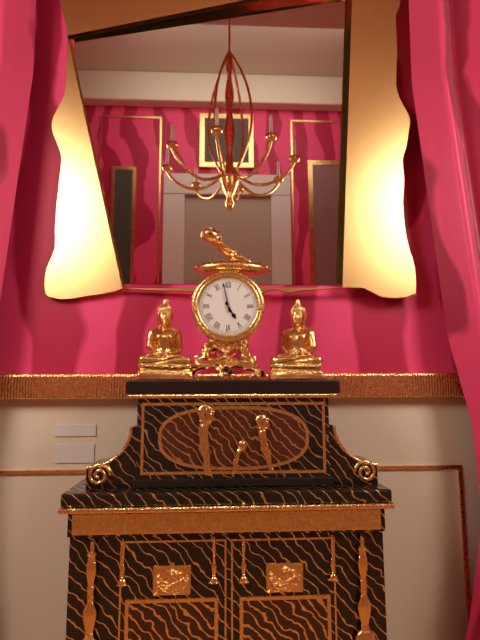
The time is **4:58**
